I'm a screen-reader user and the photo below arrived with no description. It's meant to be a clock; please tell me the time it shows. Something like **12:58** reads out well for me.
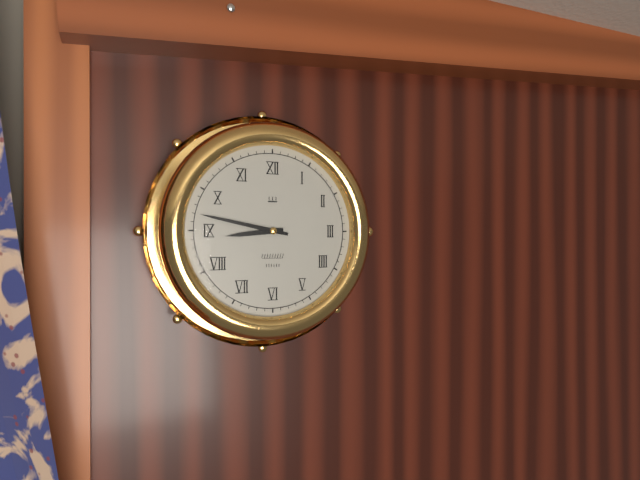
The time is **8:47**
